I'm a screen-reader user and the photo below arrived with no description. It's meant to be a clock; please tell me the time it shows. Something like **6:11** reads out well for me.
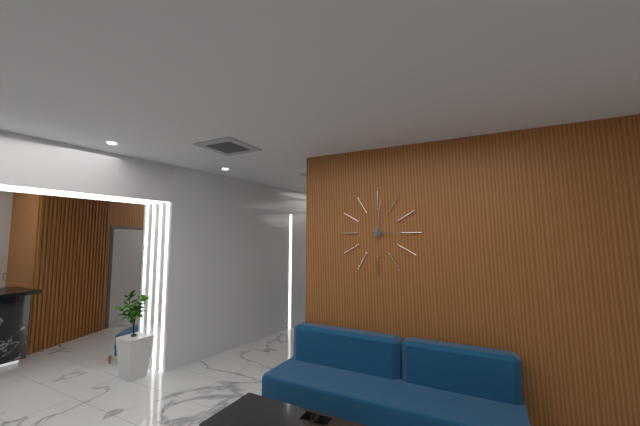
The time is **3:01**
